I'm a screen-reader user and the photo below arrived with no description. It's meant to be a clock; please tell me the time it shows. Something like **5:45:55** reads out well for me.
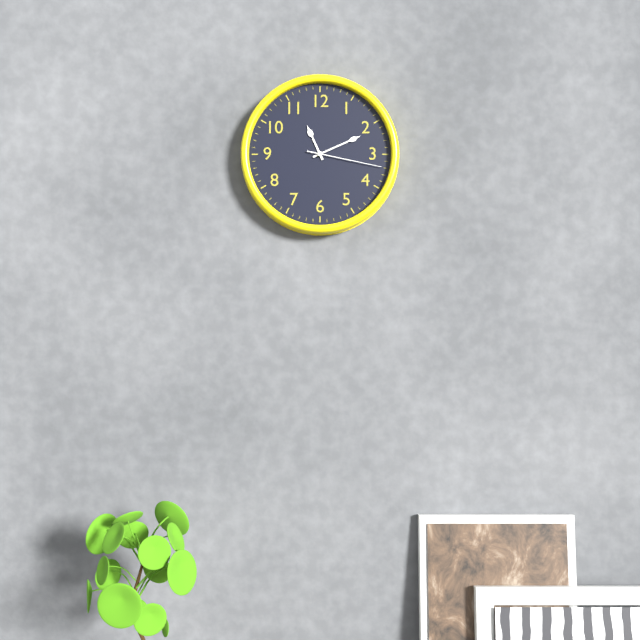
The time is **11:11:17**
